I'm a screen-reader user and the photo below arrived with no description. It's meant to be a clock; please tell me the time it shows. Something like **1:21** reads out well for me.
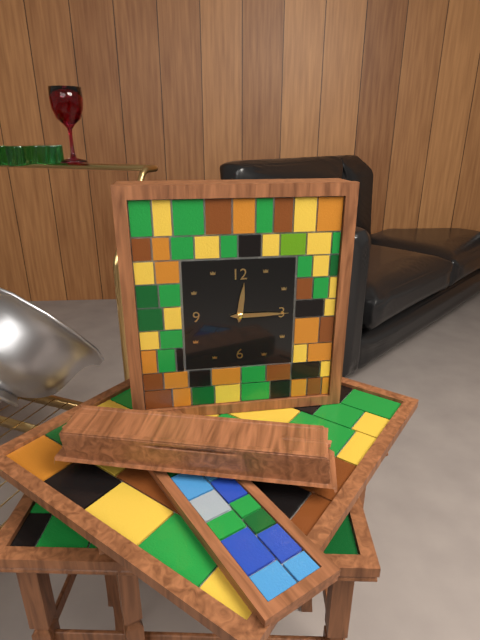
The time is **12:15**
